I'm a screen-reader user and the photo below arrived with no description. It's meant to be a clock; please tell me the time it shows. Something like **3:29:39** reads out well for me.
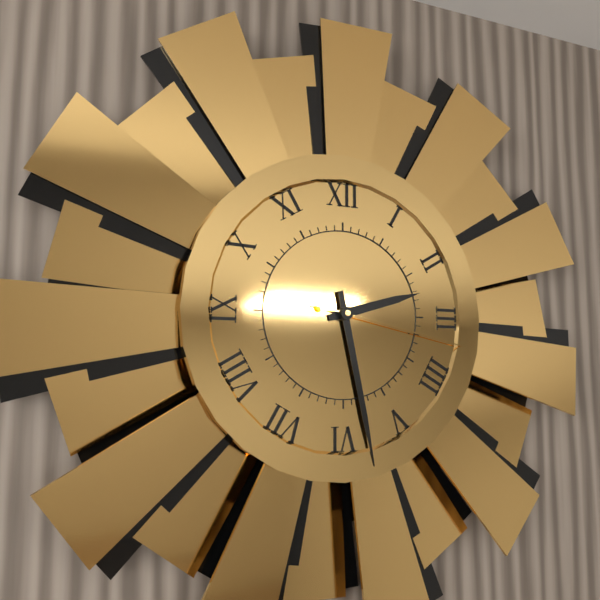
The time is **2:28:17**
